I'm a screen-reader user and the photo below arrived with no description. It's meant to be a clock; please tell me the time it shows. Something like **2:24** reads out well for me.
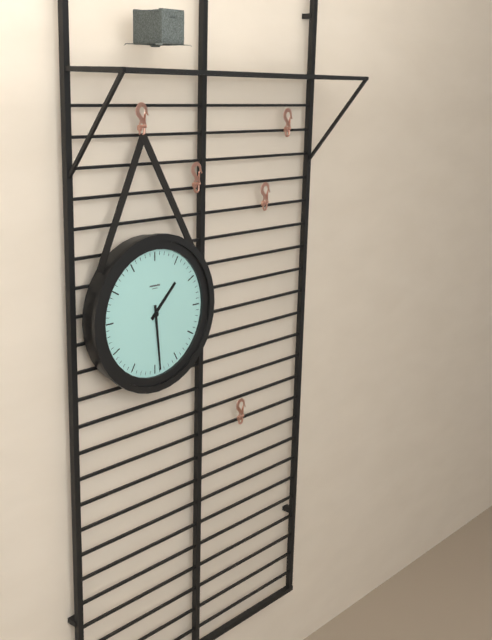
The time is **1:29**
